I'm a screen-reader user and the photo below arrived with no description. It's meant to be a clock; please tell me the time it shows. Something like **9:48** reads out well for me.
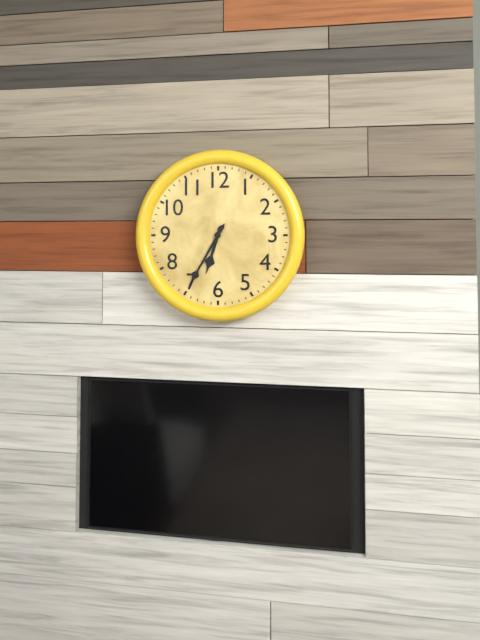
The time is **6:35**
